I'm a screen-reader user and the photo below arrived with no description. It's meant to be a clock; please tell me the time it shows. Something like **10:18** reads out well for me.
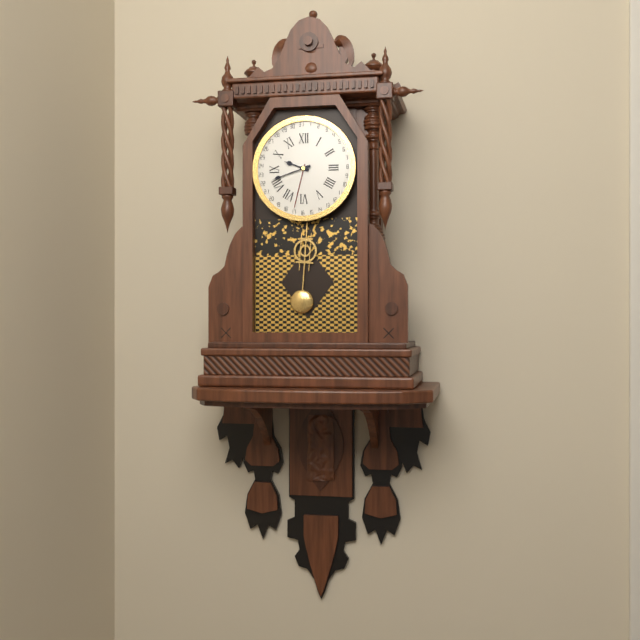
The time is **9:42**
